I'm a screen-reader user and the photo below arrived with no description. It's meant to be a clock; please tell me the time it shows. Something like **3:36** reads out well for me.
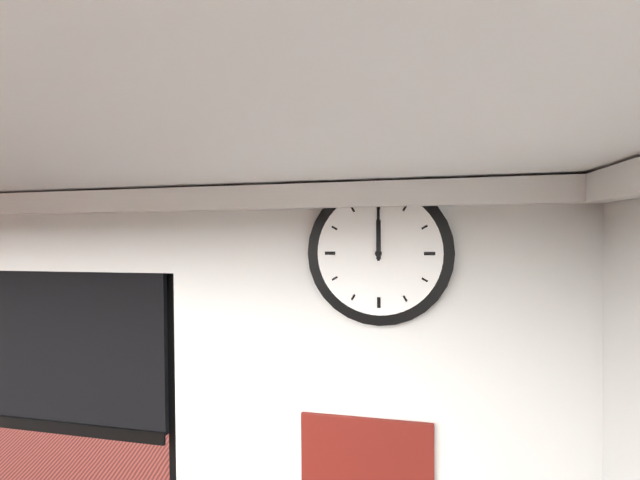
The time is **12:00**
